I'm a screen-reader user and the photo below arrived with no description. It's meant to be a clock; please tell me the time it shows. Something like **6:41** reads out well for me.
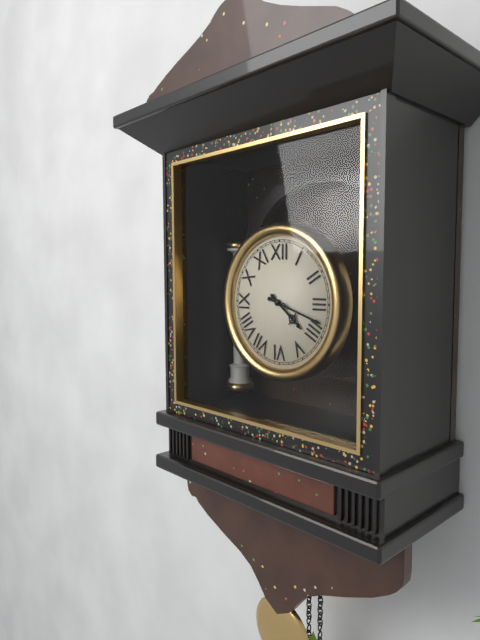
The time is **4:18**
